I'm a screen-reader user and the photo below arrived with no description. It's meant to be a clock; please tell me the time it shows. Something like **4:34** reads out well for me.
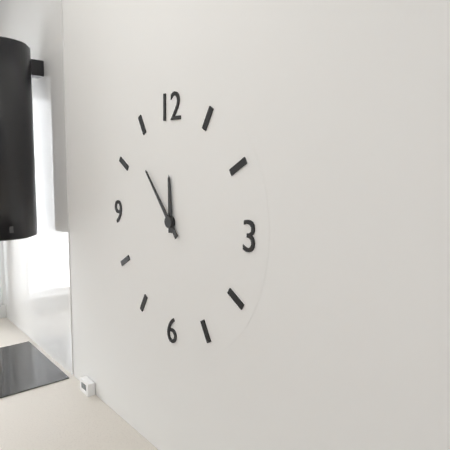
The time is **11:53**
